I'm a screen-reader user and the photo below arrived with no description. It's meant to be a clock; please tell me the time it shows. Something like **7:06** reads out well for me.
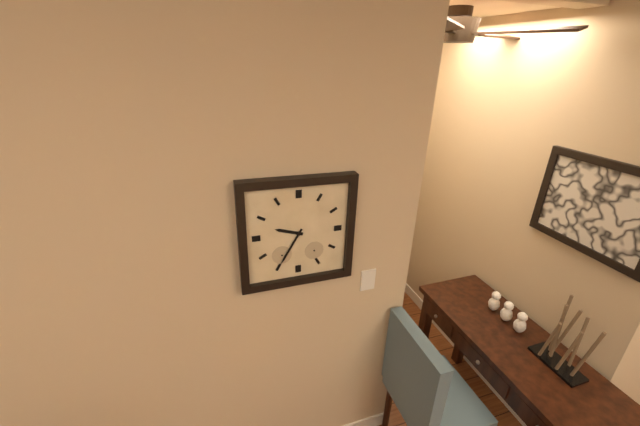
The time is **9:35**
